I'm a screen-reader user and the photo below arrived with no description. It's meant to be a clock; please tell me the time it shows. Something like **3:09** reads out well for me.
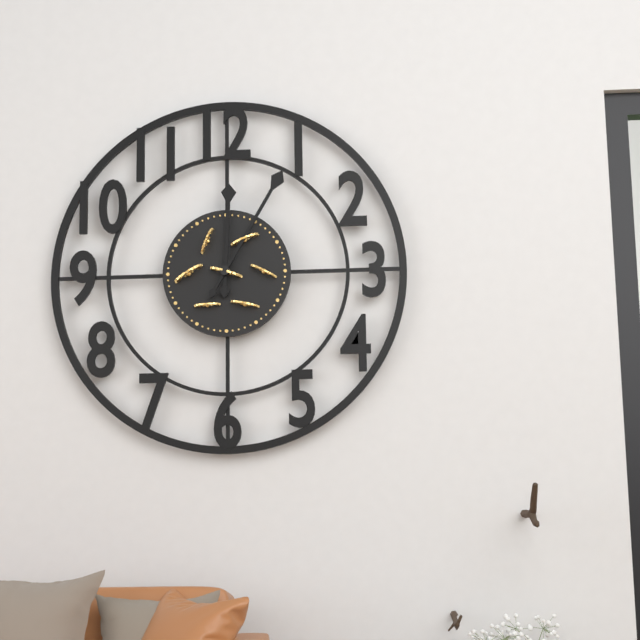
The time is **12:05**
